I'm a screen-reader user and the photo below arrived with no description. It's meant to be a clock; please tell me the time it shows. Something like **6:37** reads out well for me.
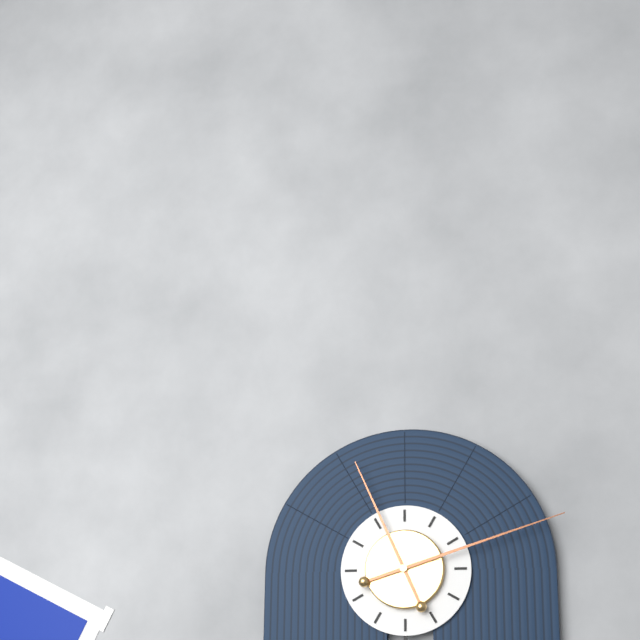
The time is **11:12**
